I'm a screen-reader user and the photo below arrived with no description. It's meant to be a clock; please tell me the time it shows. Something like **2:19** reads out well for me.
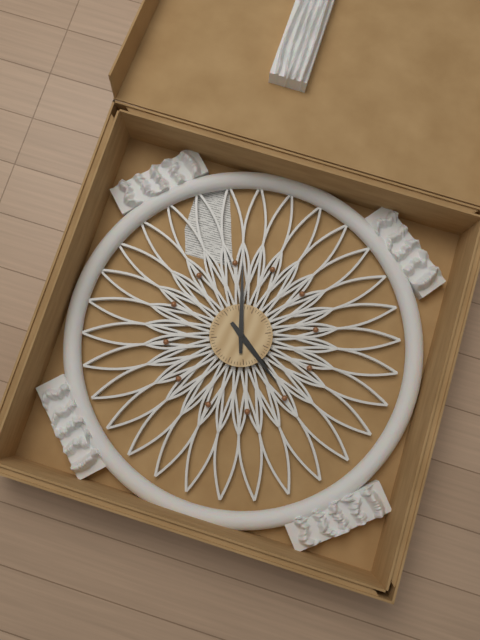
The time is **3:56**
